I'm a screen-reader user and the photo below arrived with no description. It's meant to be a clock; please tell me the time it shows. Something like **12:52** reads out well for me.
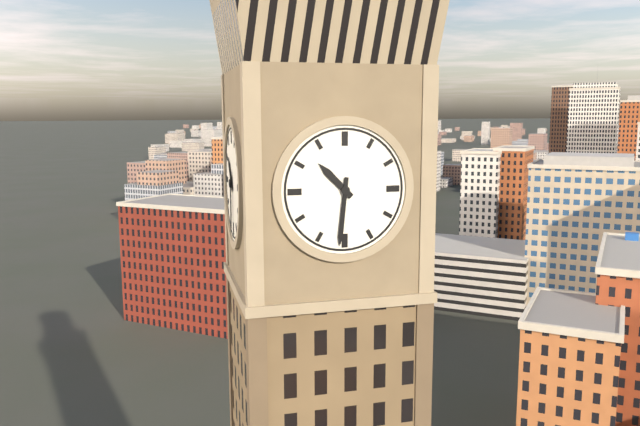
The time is **10:31**
